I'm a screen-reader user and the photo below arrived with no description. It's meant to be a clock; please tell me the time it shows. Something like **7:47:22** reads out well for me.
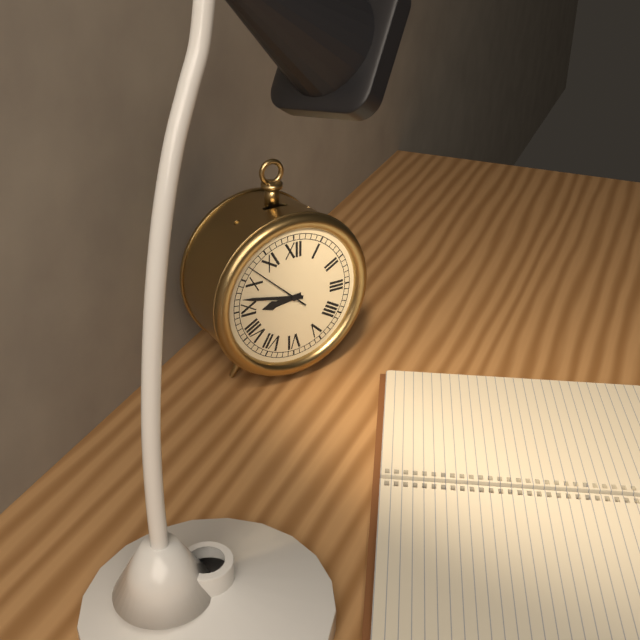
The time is **8:47:52**
